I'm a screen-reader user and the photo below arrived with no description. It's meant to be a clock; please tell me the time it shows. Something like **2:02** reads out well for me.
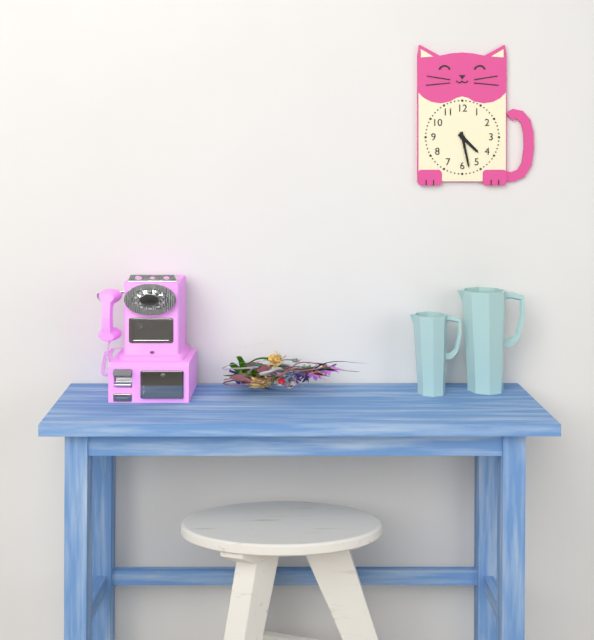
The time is **4:28**
